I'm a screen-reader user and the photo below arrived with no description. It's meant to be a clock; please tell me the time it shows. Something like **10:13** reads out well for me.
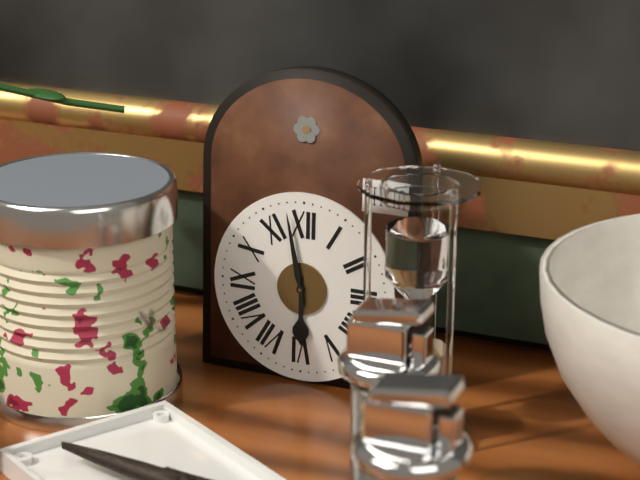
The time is **5:58**
